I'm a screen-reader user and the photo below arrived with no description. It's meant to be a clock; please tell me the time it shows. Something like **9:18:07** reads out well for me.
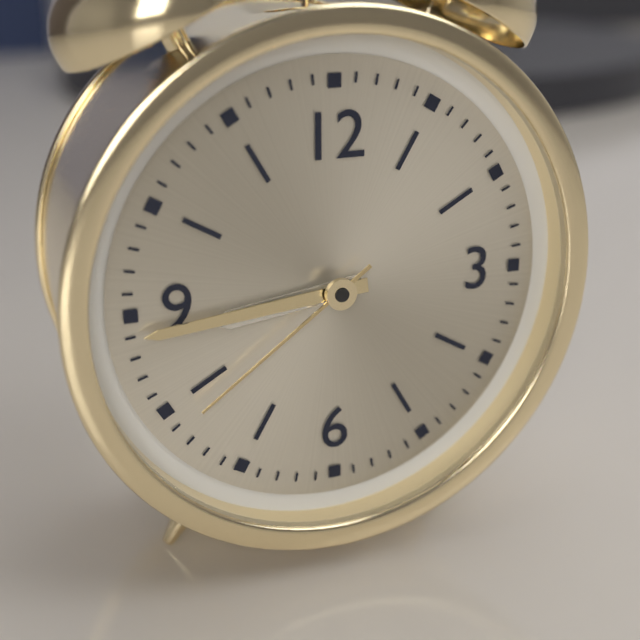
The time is **8:44:39**
